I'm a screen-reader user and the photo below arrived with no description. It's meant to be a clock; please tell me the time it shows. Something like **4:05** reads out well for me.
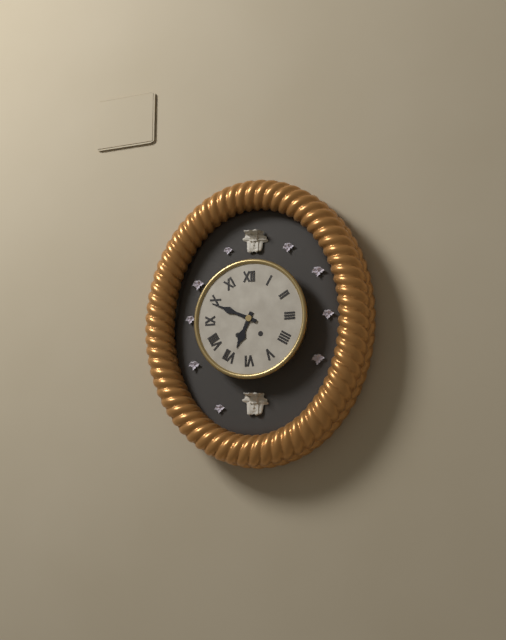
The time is **6:49**
